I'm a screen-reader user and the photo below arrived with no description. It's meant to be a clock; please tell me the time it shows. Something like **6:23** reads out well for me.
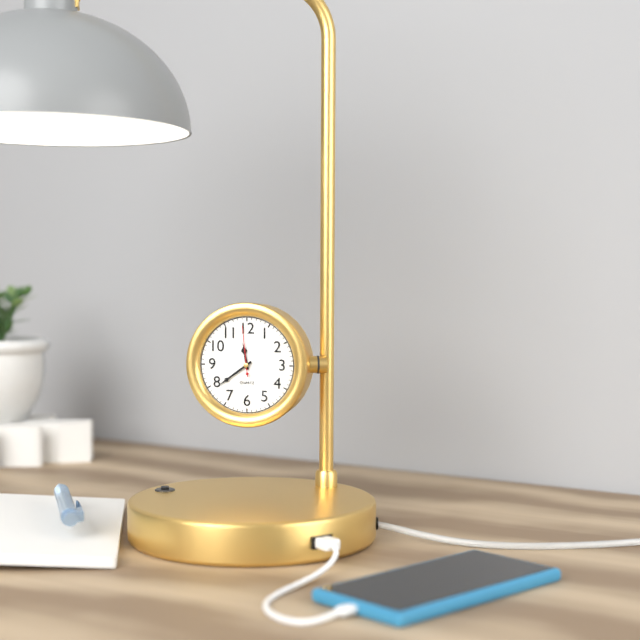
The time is **11:39**
